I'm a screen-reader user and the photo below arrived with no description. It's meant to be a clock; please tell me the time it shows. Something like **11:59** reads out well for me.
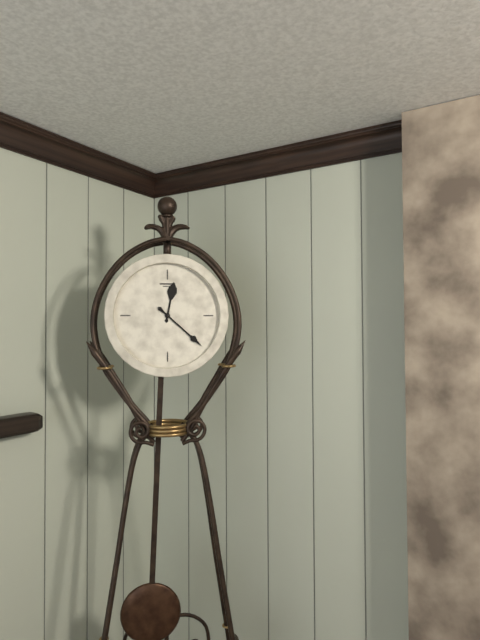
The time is **12:22**
